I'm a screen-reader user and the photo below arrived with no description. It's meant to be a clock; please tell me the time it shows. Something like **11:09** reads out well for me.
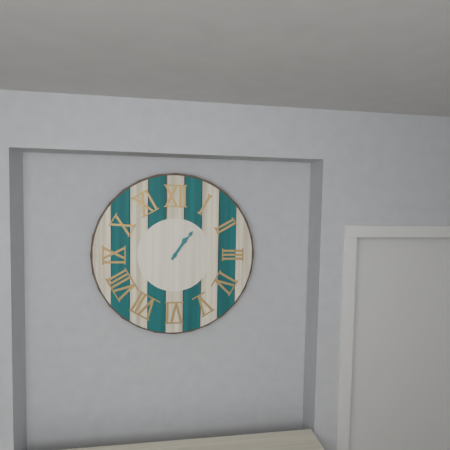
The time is **1:06**
